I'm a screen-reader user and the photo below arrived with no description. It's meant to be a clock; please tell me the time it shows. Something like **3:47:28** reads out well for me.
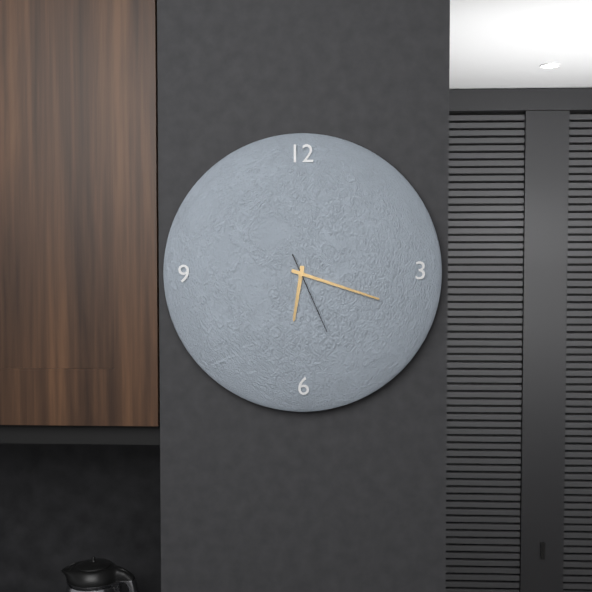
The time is **6:18:26**
